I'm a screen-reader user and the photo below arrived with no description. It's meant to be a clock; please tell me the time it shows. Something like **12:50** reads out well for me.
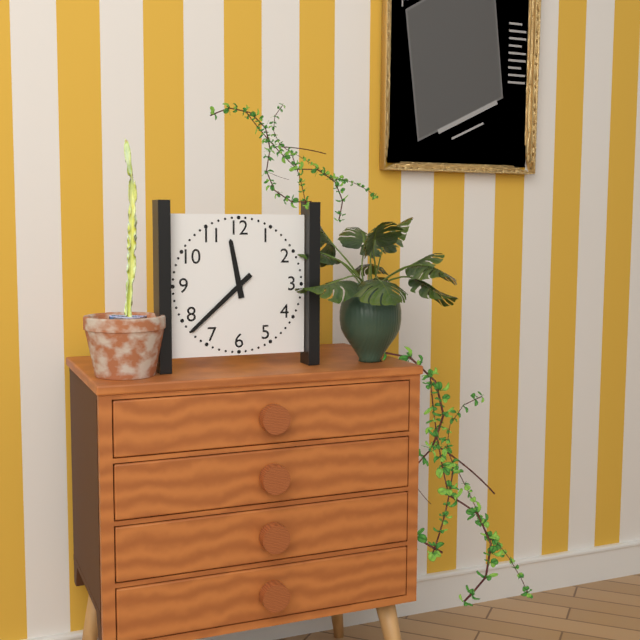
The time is **11:38**
